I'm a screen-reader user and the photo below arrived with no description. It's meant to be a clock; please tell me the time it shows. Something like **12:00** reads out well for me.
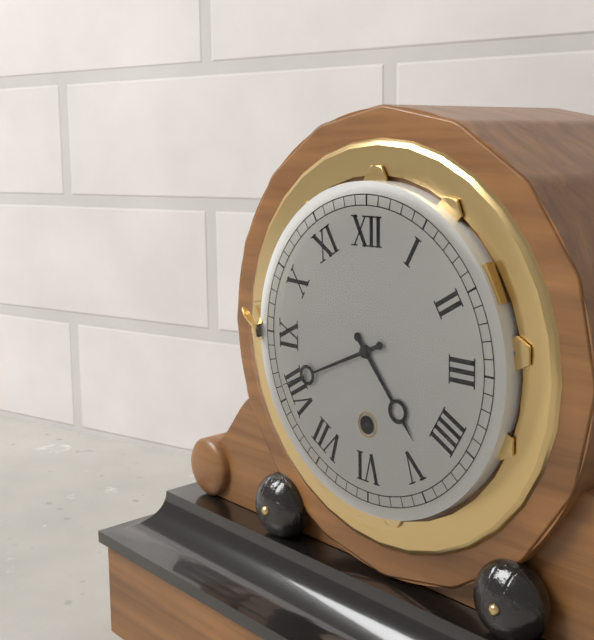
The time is **4:41**
